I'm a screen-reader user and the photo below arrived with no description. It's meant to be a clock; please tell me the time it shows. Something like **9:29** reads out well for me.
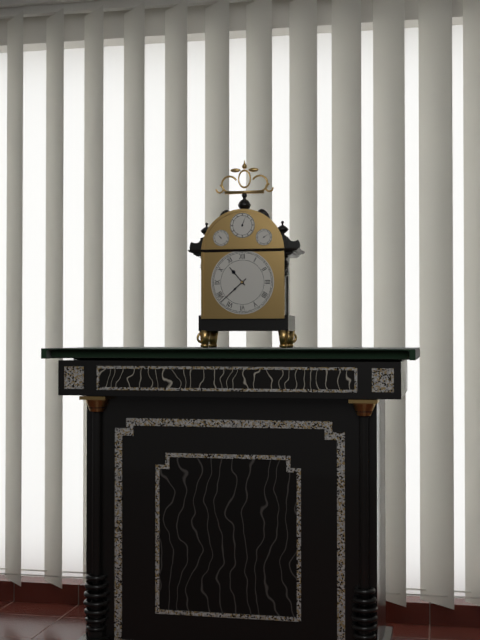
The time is **10:38**
